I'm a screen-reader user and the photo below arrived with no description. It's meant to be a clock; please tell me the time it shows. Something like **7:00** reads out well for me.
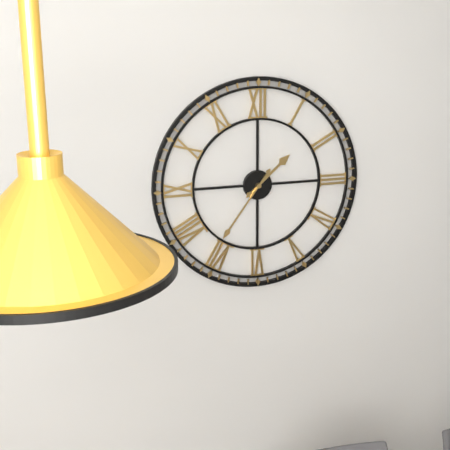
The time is **1:36**
